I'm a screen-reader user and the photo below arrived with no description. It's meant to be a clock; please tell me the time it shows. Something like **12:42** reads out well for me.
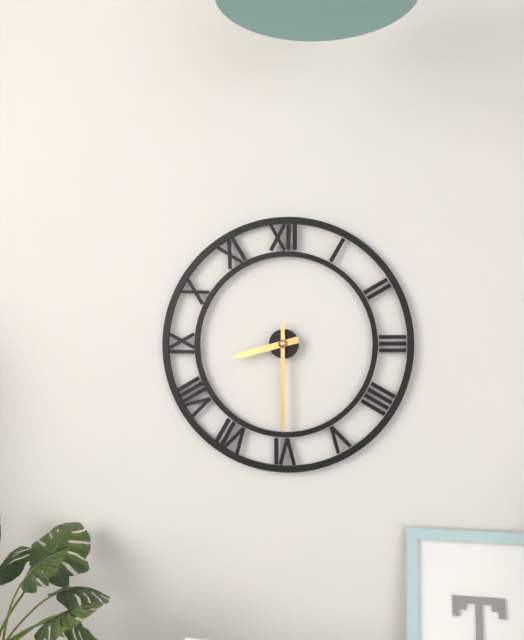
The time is **8:30**
